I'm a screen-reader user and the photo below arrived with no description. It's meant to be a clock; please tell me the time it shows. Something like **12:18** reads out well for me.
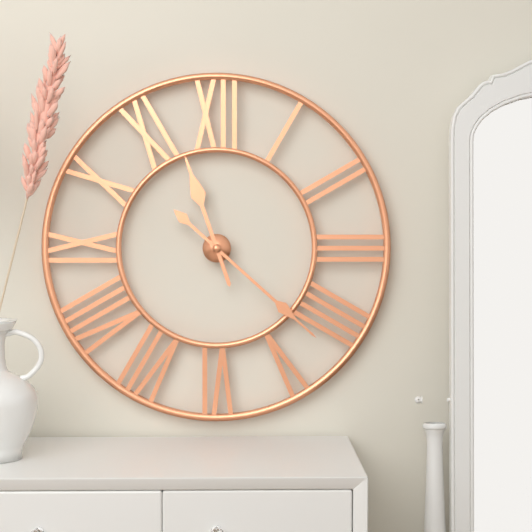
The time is **11:22**
